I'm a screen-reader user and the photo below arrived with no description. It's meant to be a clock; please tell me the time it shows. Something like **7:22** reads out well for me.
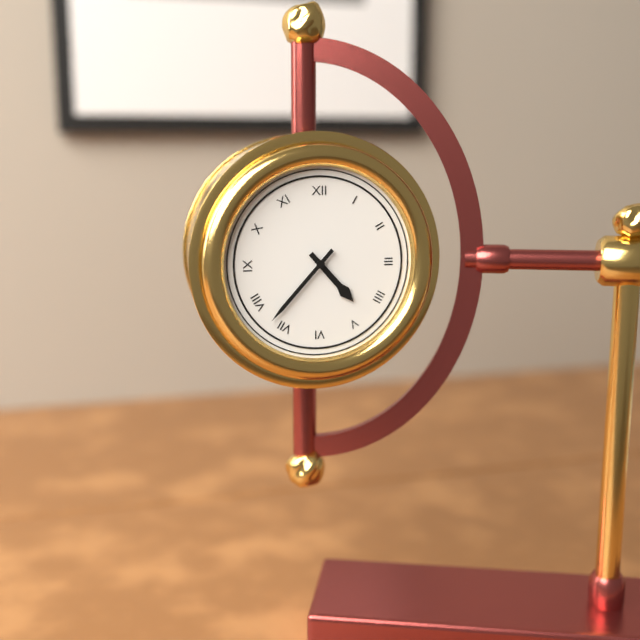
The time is **4:37**
